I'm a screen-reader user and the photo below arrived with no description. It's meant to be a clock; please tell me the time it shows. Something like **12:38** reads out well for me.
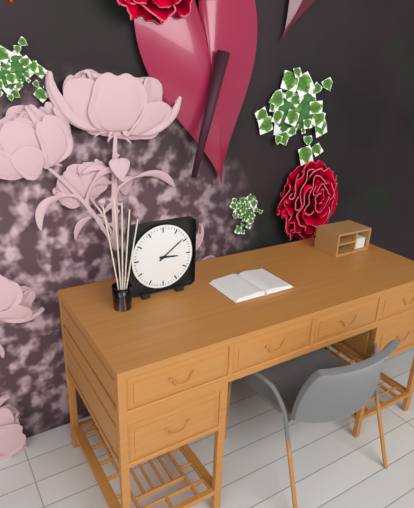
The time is **3:09**
